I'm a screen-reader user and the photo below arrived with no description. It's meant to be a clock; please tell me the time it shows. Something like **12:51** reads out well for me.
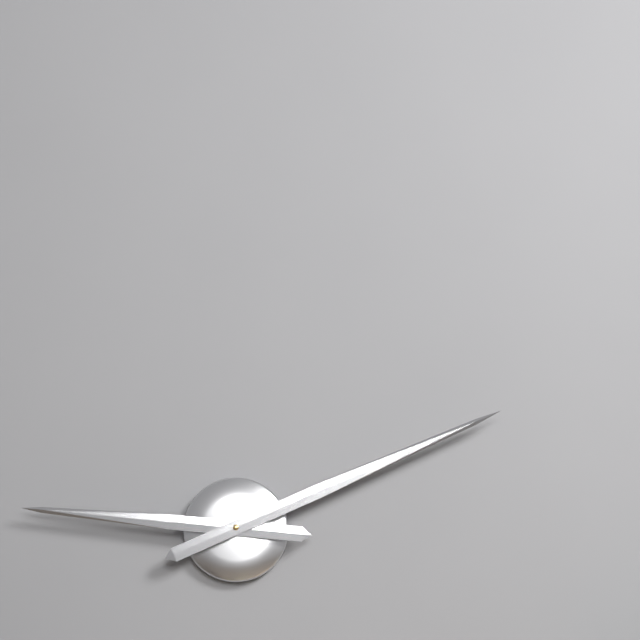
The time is **9:11**
